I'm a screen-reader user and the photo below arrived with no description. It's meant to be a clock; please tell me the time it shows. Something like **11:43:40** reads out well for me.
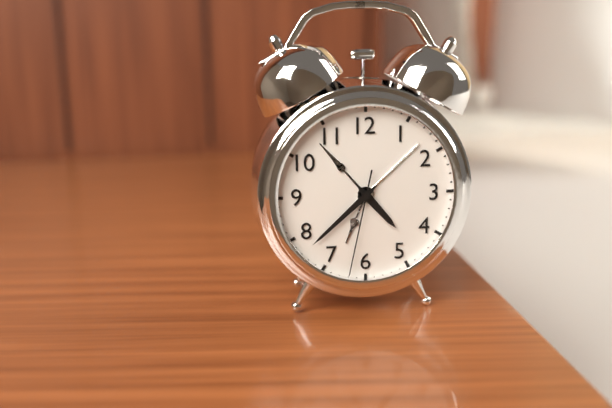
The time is **4:38:32**
